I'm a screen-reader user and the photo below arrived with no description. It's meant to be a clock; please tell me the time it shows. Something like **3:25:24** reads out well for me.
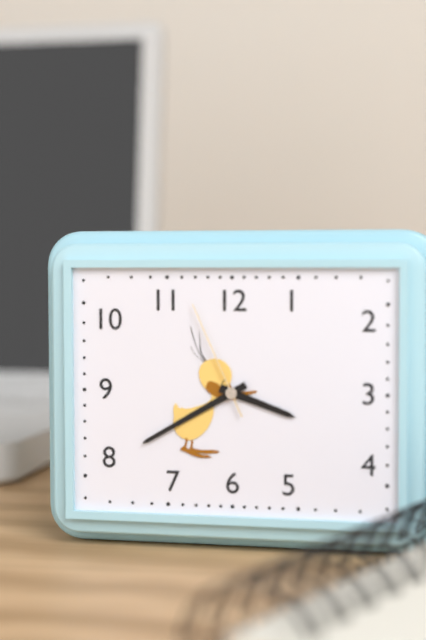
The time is **3:40:56**
